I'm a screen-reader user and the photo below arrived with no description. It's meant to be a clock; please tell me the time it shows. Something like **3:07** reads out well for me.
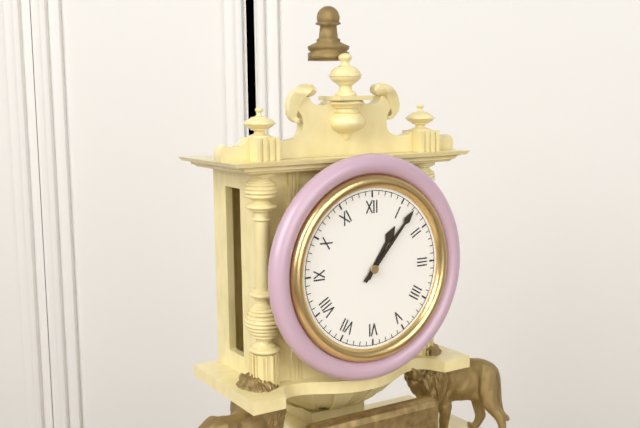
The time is **1:07**
